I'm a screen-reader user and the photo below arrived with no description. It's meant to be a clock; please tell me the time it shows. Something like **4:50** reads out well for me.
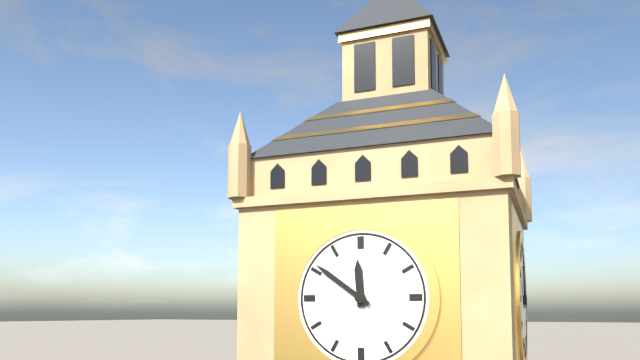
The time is **11:51**
